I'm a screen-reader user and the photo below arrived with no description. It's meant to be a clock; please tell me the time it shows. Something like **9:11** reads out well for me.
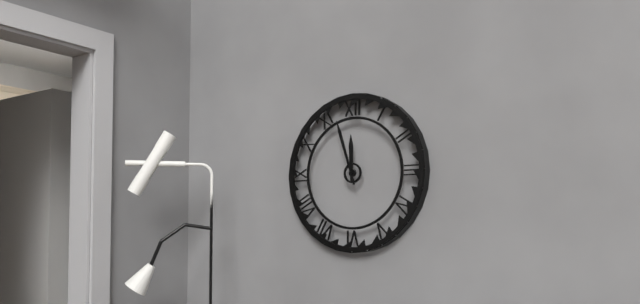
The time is **11:57**
